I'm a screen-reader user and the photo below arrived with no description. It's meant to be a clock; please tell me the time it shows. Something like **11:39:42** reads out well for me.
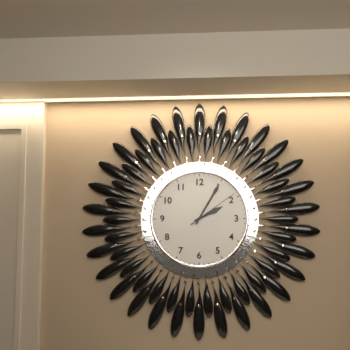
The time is **2:05:09**
